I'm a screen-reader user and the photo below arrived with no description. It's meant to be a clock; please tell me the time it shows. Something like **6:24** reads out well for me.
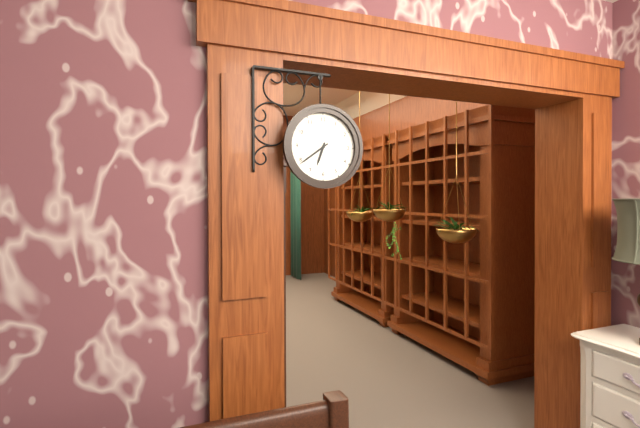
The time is **6:39**
